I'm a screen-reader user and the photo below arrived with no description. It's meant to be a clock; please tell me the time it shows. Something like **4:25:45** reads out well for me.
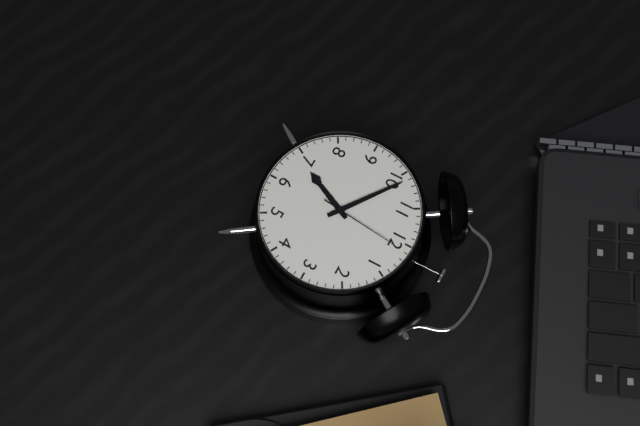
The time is **6:51:01**
